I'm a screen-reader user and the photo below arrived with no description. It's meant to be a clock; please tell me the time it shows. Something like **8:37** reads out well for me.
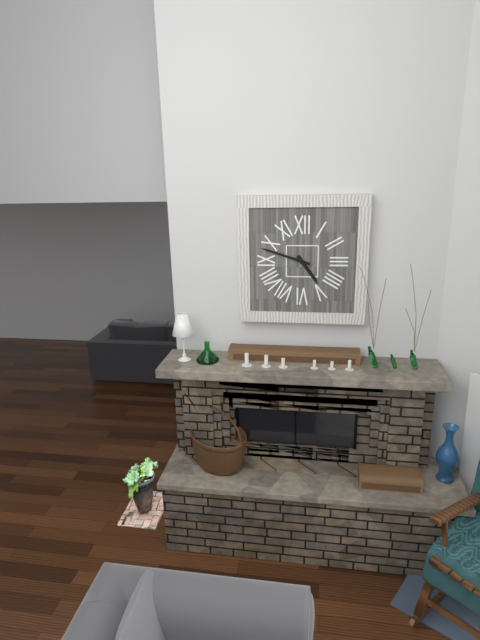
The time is **4:48**
